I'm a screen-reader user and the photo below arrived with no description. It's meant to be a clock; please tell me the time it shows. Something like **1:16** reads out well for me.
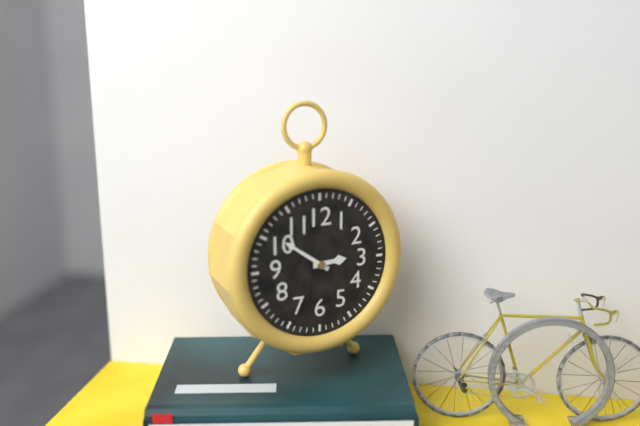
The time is **2:51**
